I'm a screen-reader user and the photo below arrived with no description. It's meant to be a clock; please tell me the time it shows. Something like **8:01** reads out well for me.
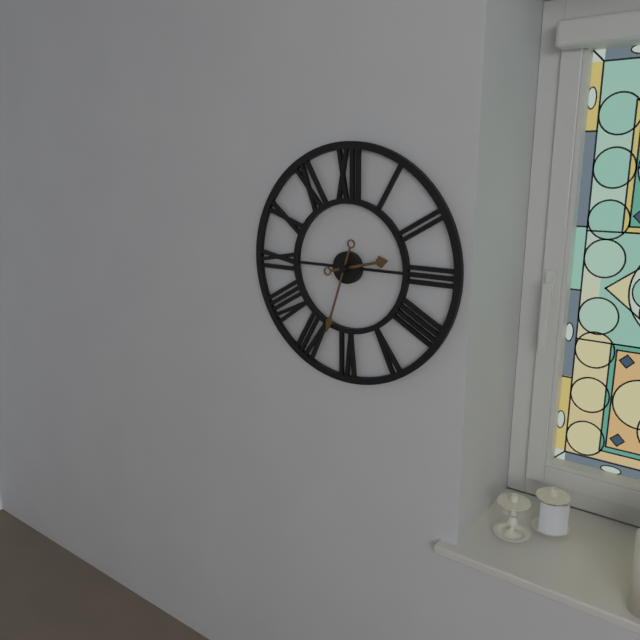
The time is **2:33**
